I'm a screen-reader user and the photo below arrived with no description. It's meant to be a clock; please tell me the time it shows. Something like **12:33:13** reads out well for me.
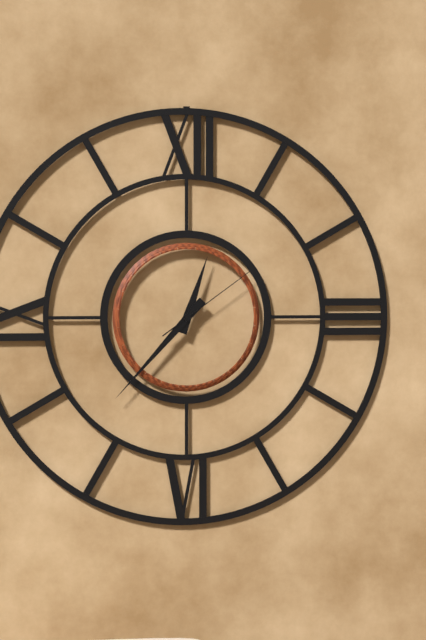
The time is **12:37:09**
